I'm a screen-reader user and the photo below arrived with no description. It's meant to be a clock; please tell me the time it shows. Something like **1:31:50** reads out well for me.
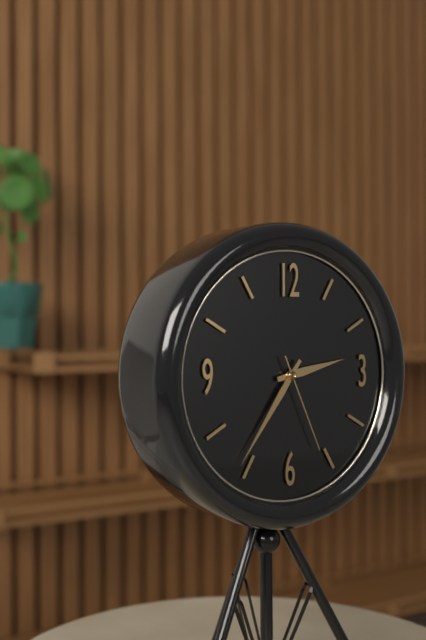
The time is **2:36:26**
